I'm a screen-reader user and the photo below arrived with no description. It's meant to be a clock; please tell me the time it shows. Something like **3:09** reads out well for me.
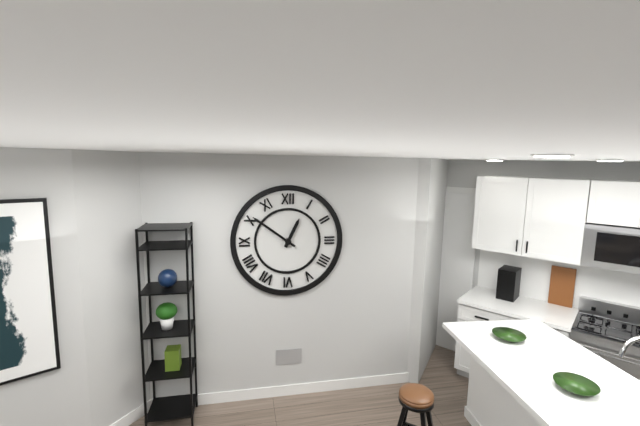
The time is **12:51**
